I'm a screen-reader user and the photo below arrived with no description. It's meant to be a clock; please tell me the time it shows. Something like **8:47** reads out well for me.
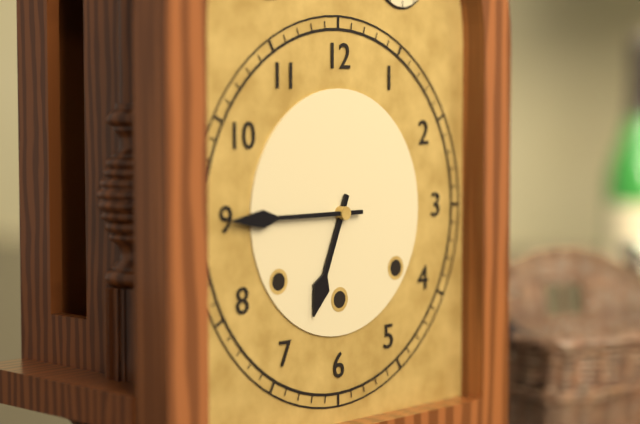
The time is **6:45**
